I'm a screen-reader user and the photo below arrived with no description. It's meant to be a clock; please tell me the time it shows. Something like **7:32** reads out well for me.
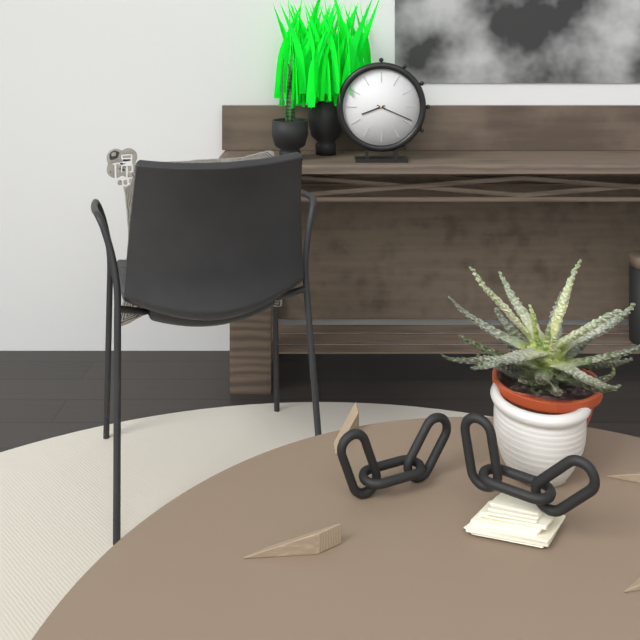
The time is **8:19**
